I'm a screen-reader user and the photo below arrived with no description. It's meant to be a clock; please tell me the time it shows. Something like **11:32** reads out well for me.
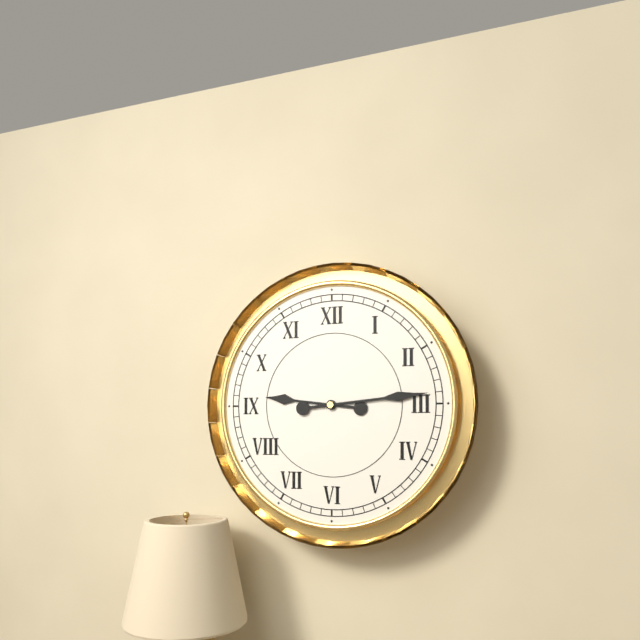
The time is **9:14**
